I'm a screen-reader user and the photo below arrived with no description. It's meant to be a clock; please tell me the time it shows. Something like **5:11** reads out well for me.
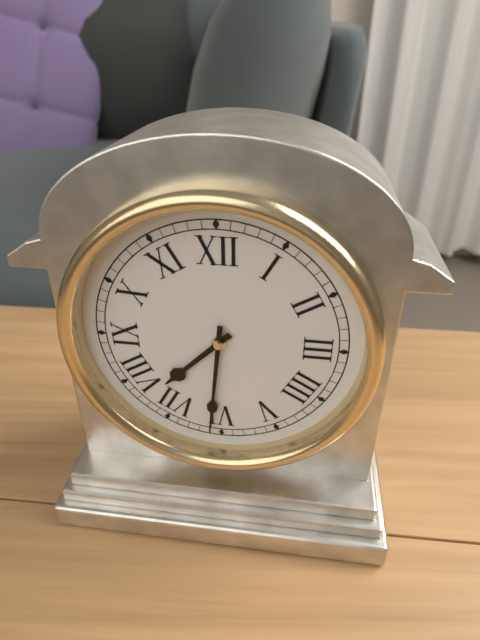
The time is **7:31**
